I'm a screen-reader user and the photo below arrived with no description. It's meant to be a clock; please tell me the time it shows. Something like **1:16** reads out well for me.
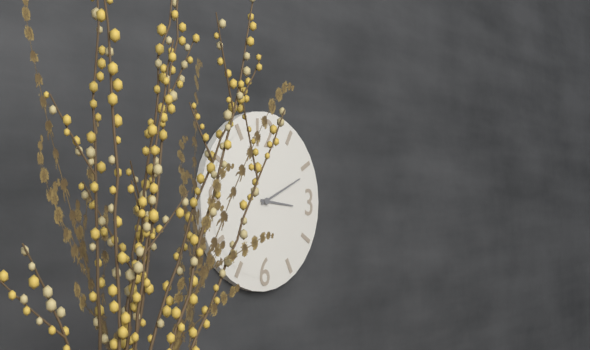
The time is **3:11**
